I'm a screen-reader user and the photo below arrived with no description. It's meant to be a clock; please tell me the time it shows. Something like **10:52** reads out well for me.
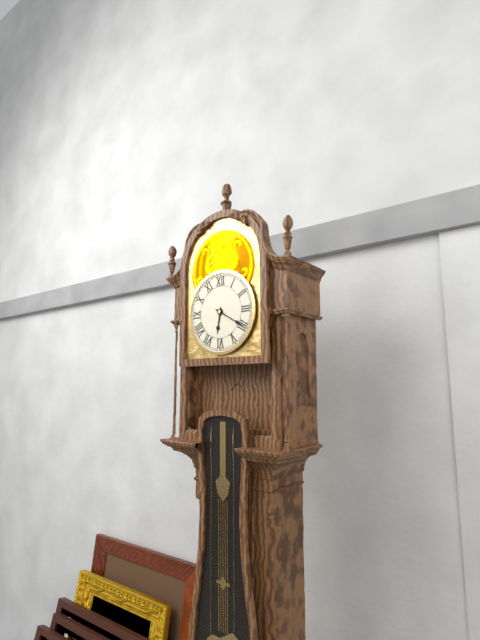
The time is **6:20**
